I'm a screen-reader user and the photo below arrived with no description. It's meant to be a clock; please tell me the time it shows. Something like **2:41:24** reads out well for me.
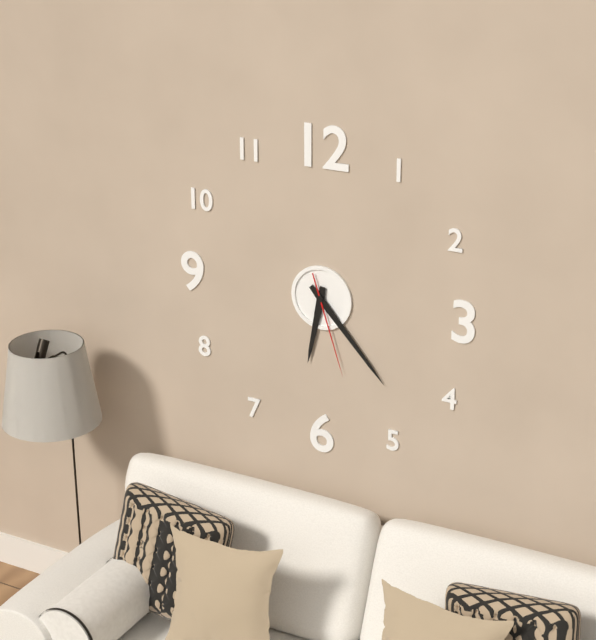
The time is **6:23:27**
